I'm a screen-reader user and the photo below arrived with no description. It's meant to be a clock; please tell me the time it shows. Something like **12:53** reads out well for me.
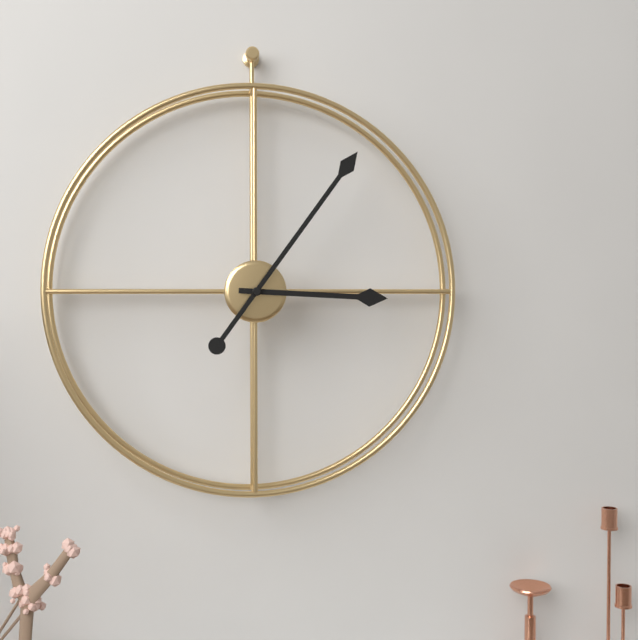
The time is **3:06**
